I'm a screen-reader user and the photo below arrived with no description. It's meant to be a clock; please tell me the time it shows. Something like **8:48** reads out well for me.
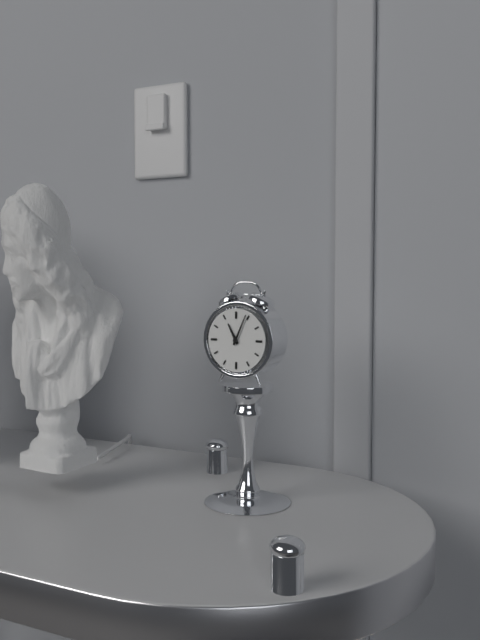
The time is **11:04**
